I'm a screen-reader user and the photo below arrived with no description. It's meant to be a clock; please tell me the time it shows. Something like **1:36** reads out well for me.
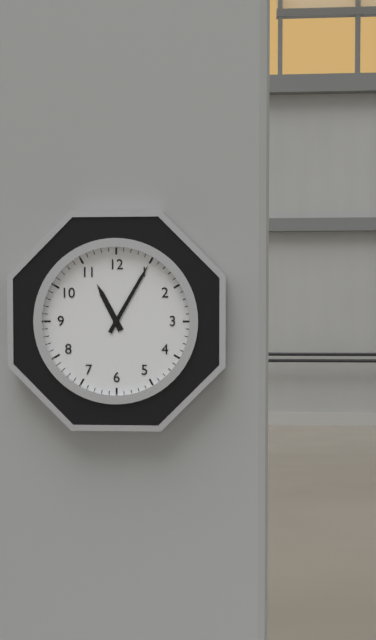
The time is **11:05**
